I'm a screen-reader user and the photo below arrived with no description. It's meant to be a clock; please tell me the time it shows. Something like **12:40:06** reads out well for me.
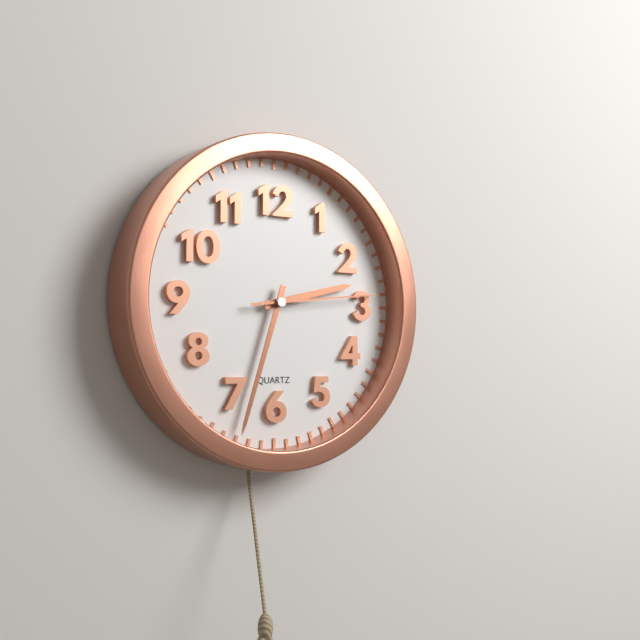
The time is **2:33:14**
